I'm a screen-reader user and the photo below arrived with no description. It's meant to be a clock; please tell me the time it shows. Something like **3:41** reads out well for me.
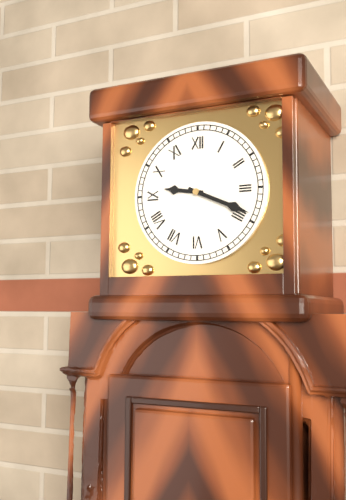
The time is **9:19**
